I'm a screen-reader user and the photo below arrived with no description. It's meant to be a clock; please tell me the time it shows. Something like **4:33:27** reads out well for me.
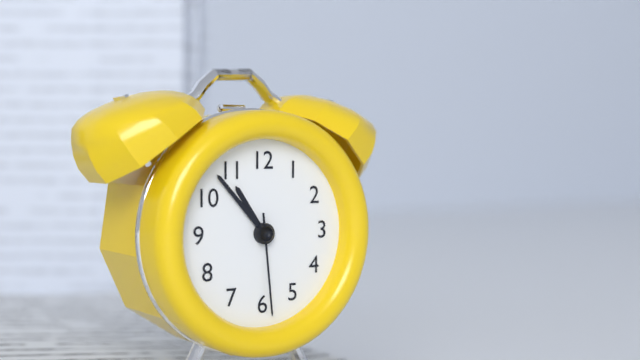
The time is **10:53:29**
